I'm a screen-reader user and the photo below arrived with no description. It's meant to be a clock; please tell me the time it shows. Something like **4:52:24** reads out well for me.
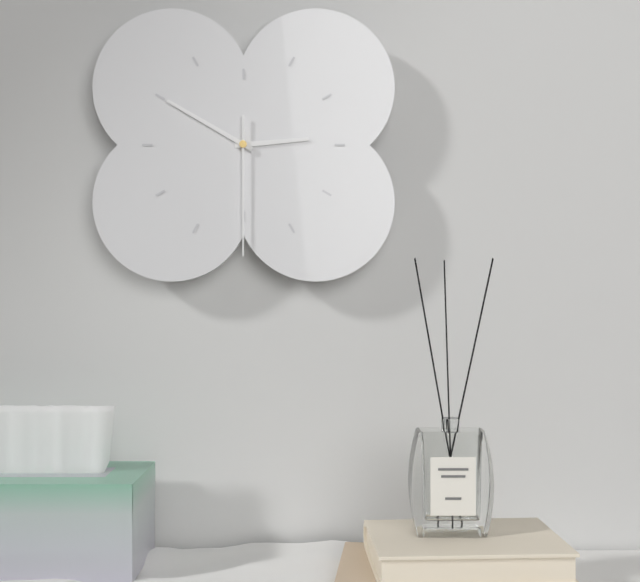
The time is **2:50:30**
